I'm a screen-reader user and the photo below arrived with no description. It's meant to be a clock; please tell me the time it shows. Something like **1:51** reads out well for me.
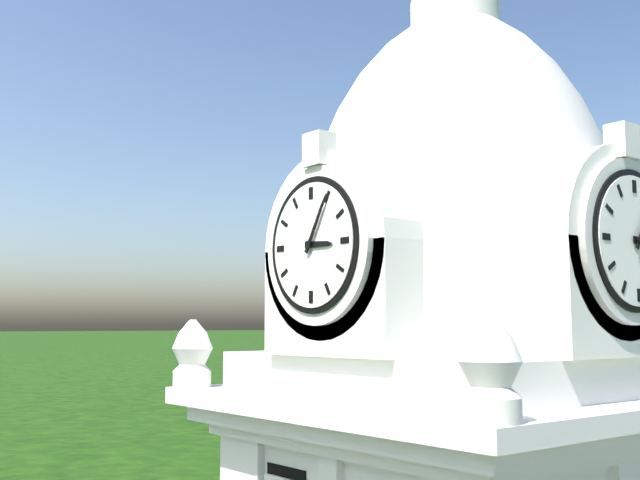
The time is **3:05**
